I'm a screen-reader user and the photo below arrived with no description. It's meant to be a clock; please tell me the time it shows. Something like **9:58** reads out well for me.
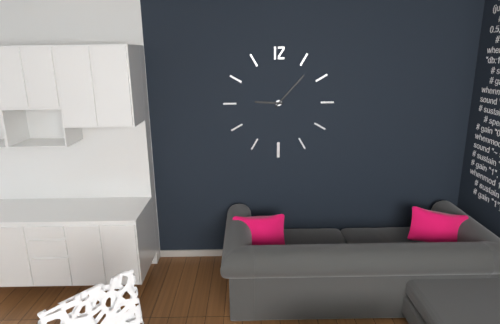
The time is **9:07**
